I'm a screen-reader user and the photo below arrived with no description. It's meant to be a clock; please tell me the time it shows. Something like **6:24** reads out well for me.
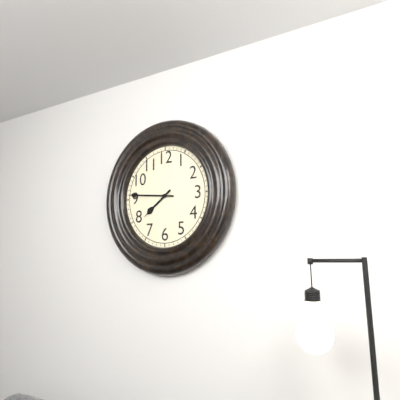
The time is **7:46**
